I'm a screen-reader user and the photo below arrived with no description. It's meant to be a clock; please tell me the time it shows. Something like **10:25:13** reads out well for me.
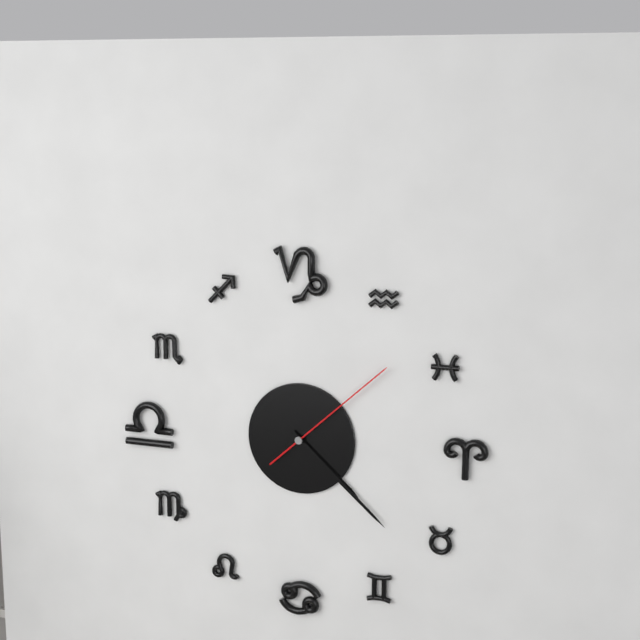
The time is **4:22:08**
